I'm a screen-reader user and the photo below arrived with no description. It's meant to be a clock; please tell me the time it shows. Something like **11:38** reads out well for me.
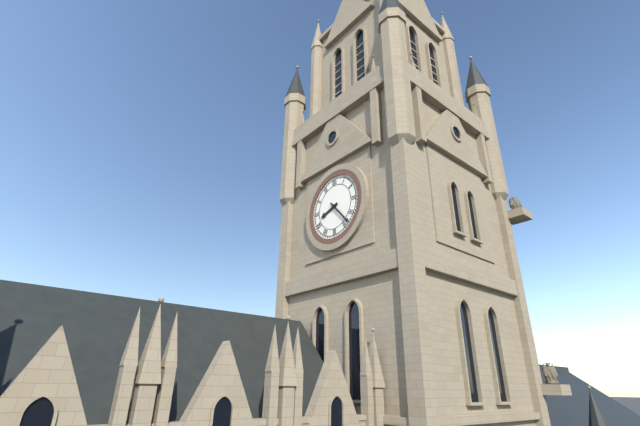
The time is **8:23**
